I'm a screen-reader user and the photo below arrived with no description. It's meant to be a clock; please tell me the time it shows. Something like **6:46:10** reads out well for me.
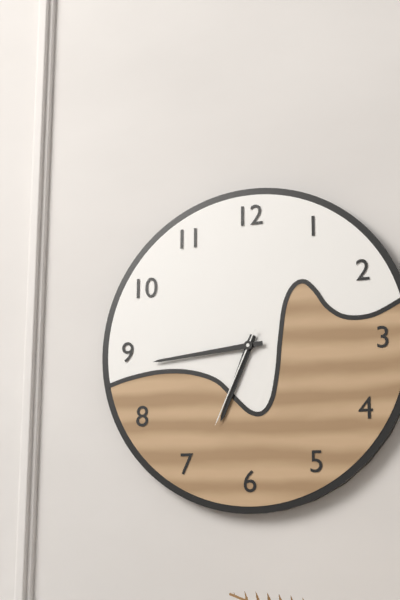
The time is **6:44:34**
